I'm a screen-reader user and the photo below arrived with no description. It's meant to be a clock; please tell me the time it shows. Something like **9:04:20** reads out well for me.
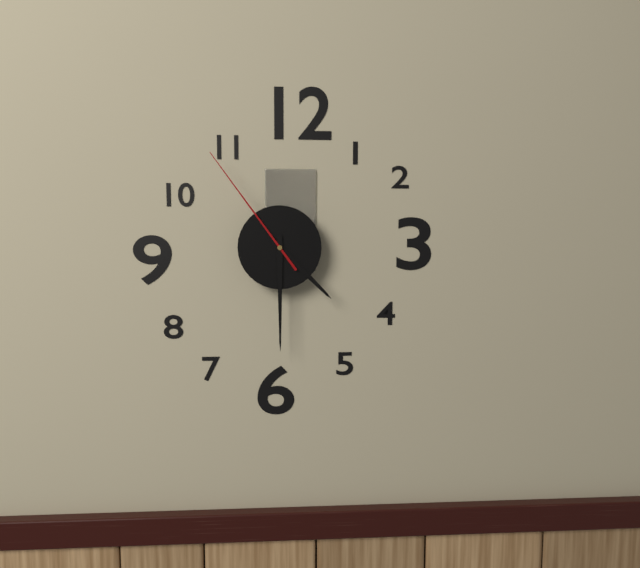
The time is **4:30:54**
